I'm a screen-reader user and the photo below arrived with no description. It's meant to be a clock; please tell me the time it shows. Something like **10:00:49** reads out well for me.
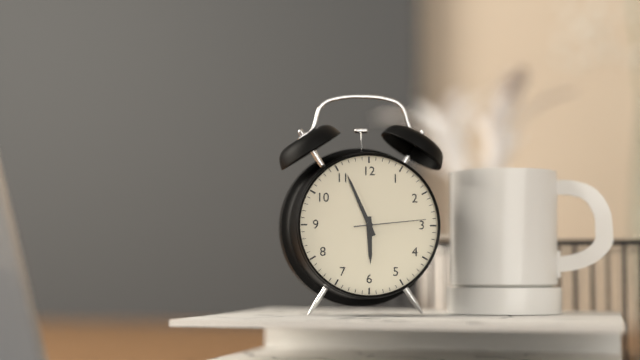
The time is **5:56:14**
